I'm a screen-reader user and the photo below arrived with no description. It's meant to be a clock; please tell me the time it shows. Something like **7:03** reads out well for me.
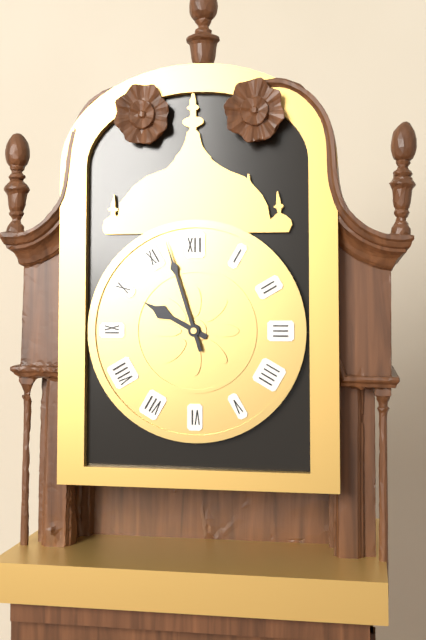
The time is **9:57**
